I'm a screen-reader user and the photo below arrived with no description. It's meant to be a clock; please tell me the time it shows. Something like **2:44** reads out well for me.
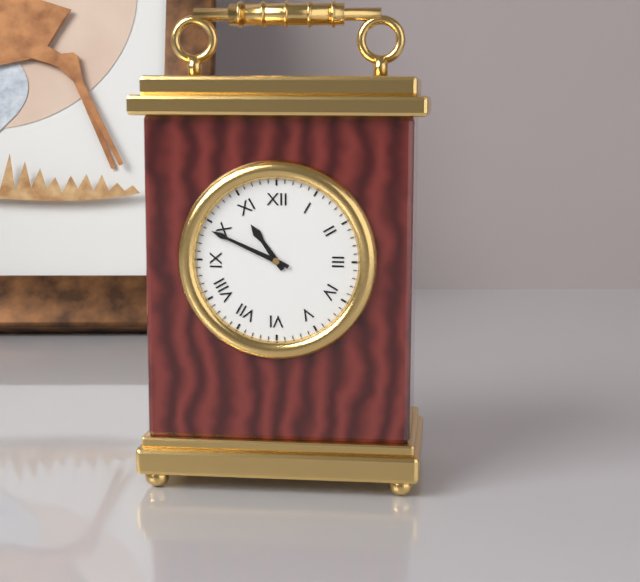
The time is **10:49**
